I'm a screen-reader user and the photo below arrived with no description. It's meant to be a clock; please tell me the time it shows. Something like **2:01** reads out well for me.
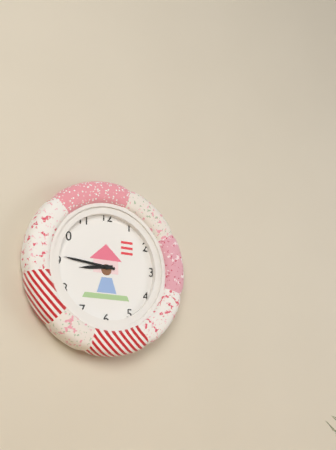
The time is **8:46**
